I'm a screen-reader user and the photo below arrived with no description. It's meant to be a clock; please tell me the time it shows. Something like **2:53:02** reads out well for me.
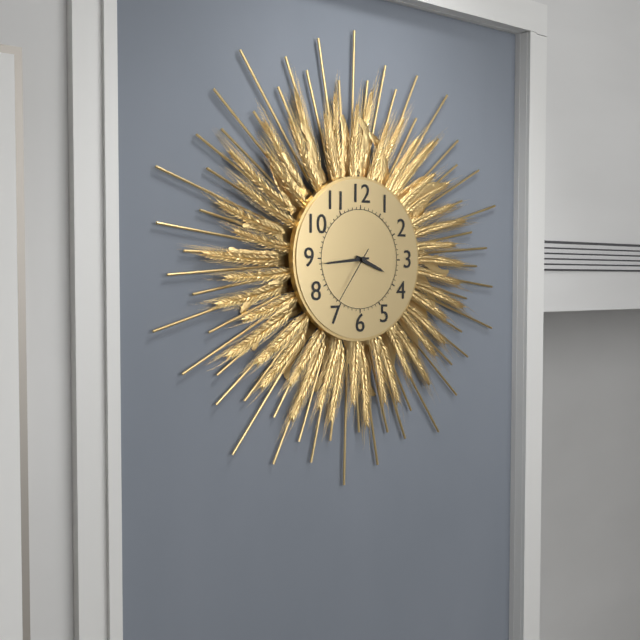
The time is **3:44:36**
